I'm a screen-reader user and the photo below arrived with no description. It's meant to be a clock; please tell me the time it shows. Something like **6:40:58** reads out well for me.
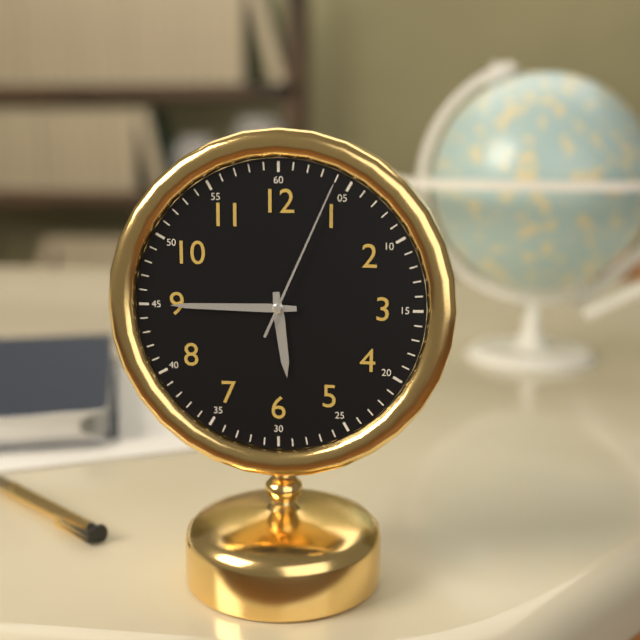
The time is **5:45:04**
